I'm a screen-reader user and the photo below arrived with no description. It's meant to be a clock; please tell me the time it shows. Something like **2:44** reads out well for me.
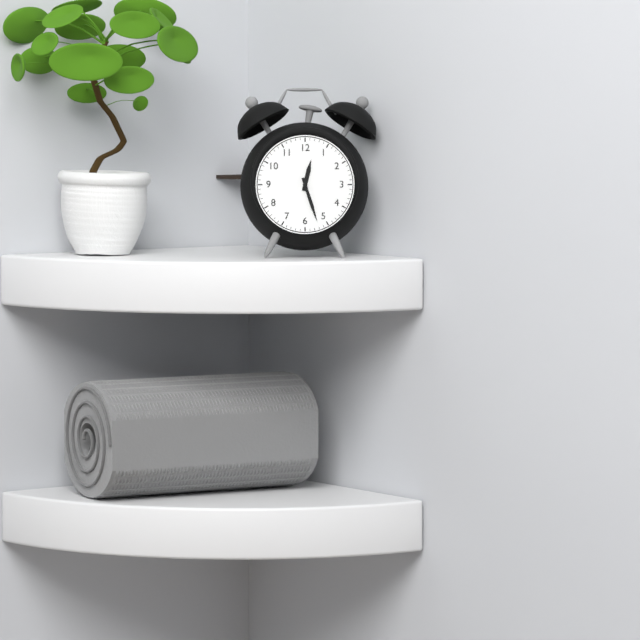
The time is **12:27**
